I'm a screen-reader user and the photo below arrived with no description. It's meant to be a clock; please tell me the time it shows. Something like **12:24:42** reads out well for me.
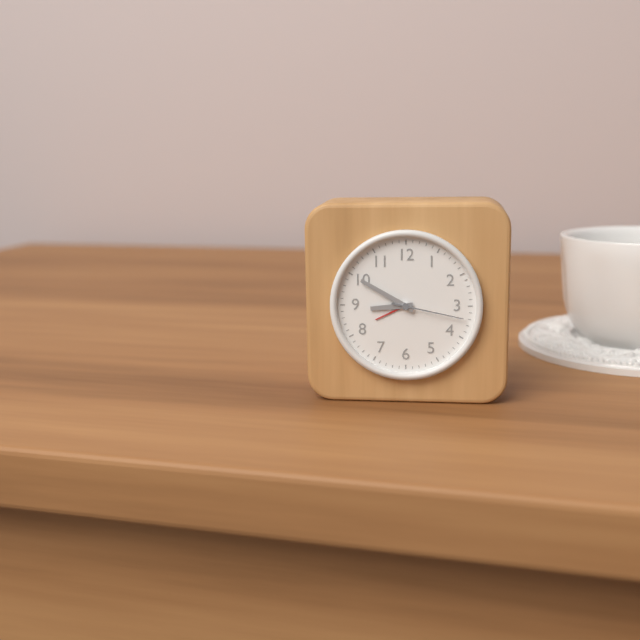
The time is **8:50:17**
